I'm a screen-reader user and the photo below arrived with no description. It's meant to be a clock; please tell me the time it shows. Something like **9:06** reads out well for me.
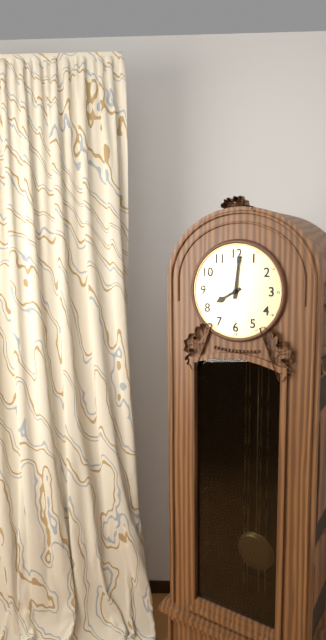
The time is **8:01**
